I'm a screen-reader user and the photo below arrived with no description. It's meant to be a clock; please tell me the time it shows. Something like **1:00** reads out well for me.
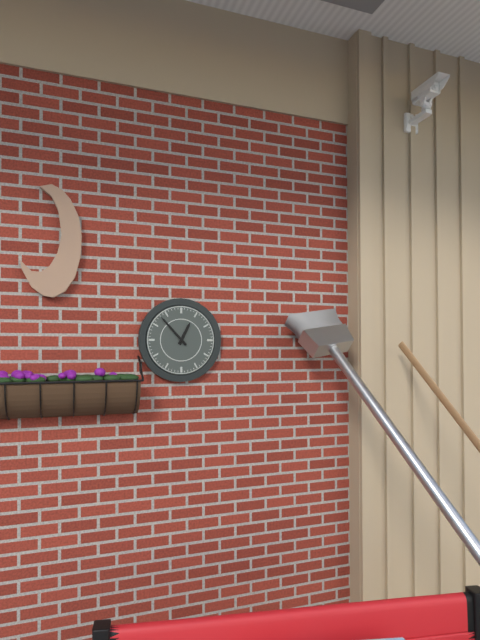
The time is **12:53**
